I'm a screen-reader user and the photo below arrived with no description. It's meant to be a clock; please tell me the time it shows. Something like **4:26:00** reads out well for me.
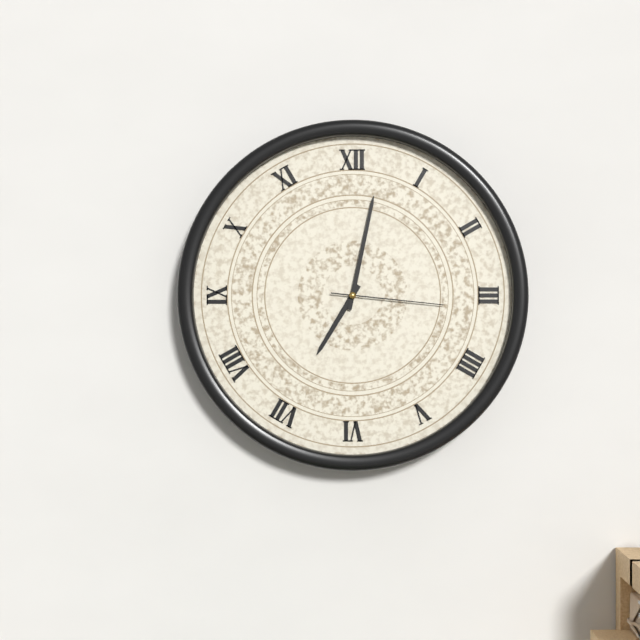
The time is **7:02:16**
